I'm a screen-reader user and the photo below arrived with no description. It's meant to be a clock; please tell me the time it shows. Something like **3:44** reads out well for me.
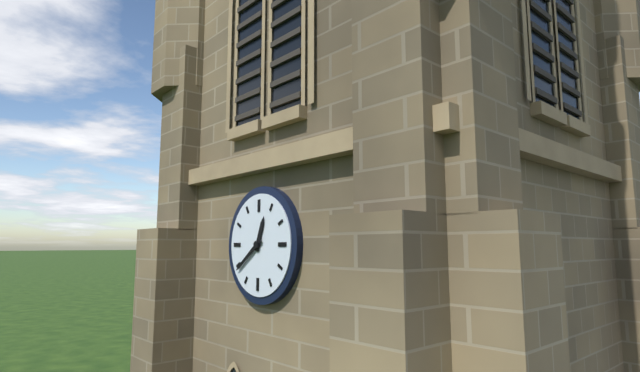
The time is **12:39**
